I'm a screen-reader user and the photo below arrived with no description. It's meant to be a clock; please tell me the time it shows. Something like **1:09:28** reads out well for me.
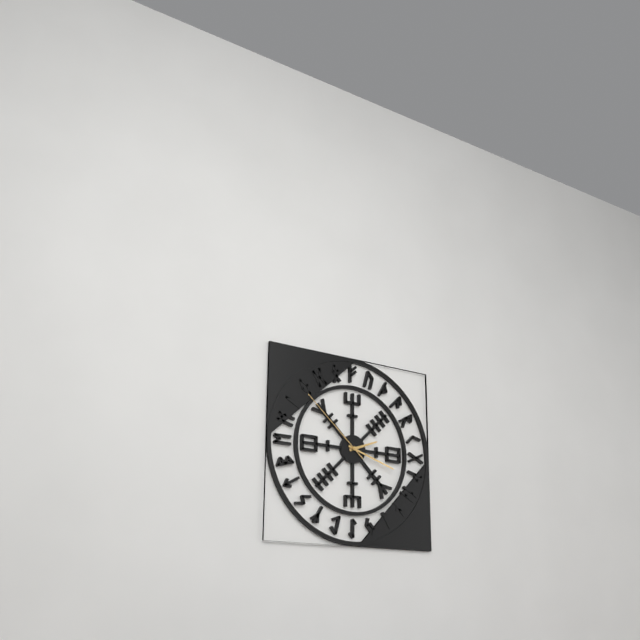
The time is **2:18:52**
